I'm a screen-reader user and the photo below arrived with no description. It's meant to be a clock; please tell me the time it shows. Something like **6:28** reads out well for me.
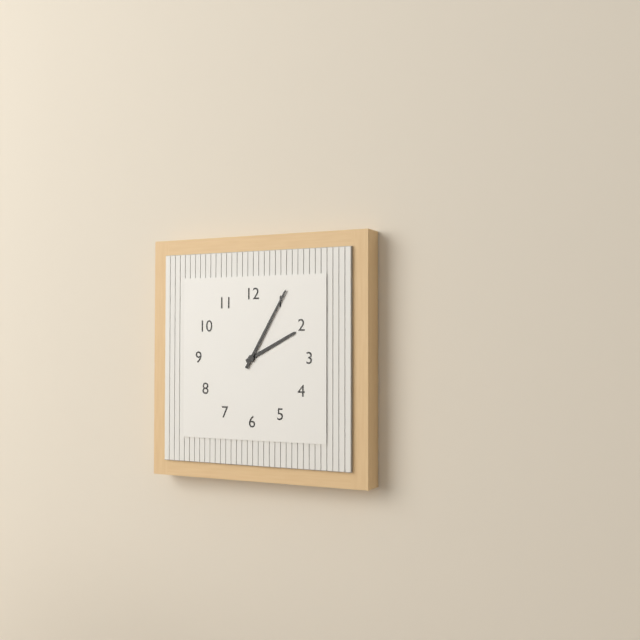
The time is **2:05**
